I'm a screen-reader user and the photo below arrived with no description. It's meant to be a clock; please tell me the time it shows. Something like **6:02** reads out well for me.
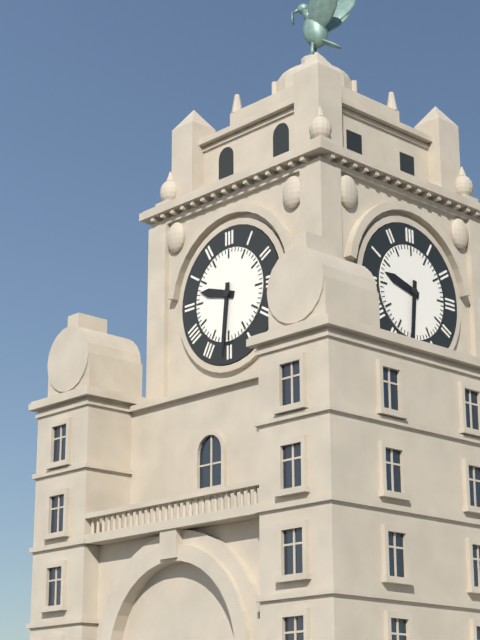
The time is **9:31**
